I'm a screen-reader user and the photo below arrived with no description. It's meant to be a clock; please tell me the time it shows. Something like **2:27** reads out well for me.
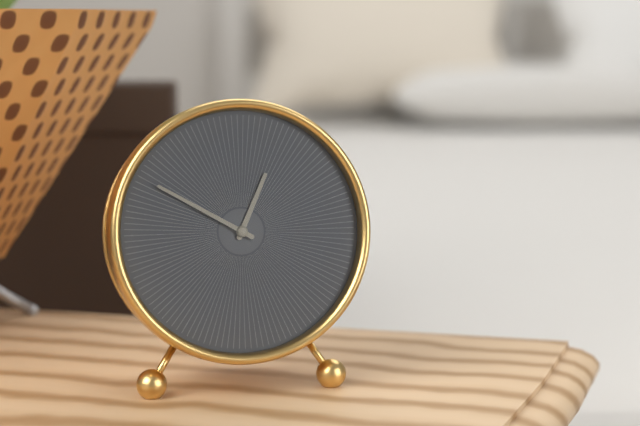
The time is **12:50**
